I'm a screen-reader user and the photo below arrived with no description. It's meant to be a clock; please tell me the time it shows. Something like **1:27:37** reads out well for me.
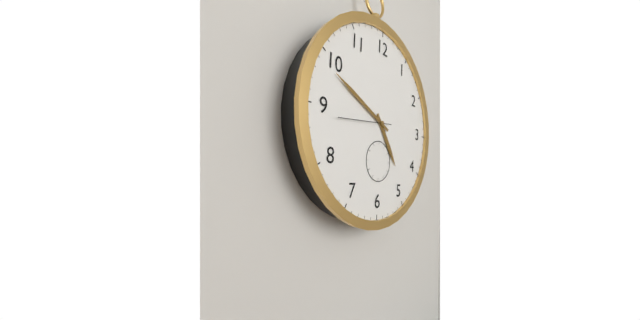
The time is **4:49:44**
